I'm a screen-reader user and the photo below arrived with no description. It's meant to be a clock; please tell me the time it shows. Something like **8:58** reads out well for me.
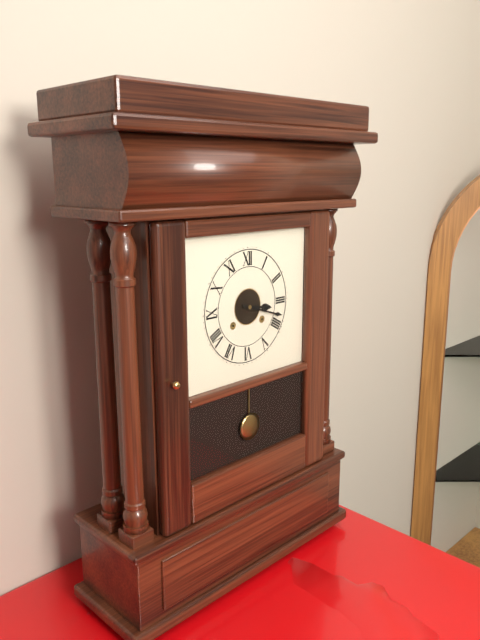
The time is **3:18**
